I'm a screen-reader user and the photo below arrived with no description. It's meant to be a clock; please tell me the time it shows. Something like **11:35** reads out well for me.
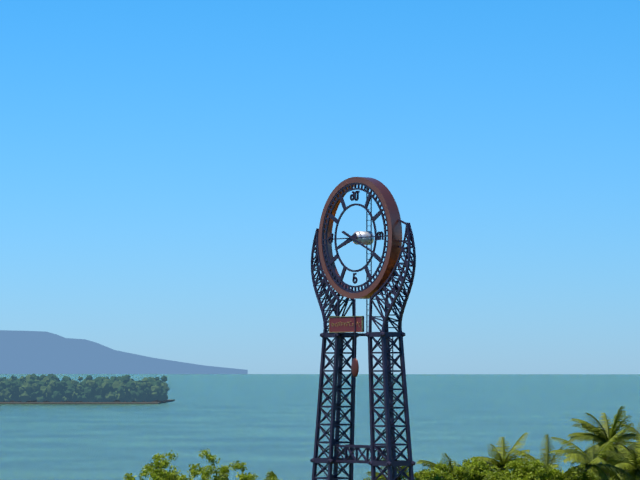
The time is **8:19**
